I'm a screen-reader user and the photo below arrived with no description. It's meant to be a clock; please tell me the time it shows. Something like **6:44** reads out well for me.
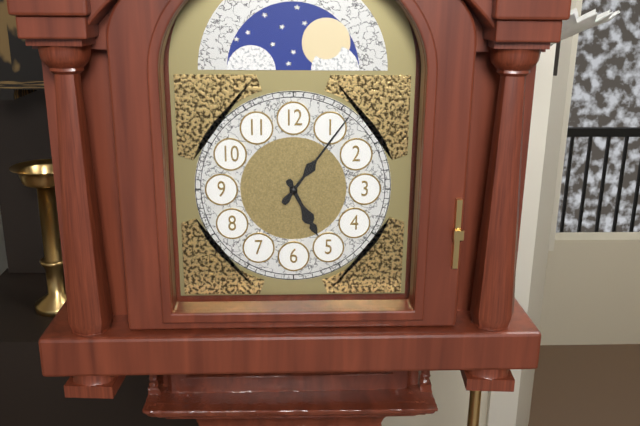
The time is **5:06**
